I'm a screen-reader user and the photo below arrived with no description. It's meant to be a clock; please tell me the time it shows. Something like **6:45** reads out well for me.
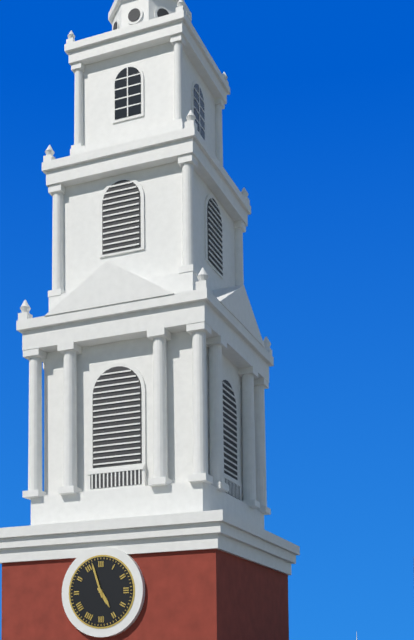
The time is **4:57**
